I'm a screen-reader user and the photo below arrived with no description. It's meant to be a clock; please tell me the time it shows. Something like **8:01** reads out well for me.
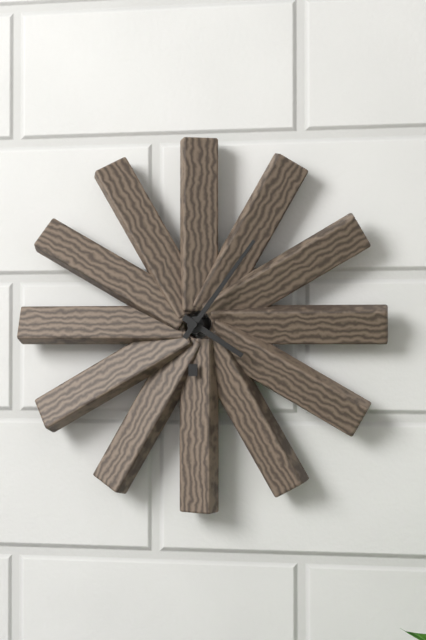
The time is **4:06**
